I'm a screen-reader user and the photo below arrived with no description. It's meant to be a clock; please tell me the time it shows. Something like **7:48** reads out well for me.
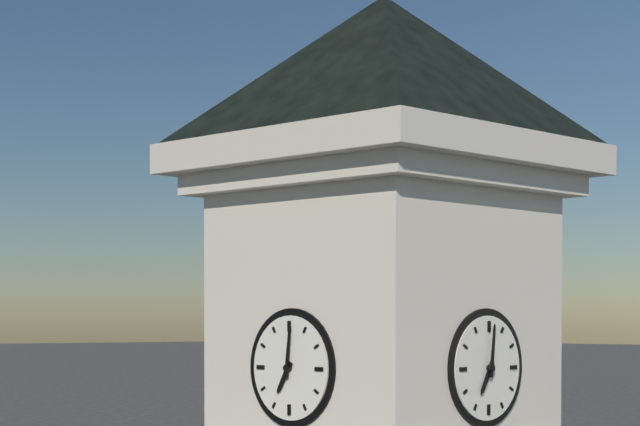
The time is **7:01**
